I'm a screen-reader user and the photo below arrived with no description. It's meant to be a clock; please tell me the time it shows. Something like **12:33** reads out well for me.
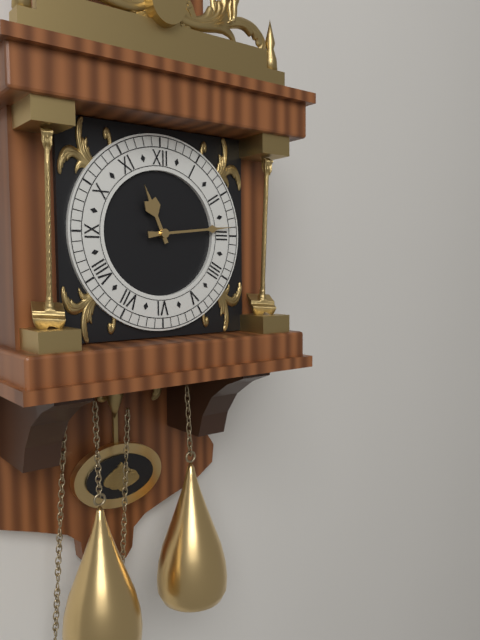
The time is **11:14**
